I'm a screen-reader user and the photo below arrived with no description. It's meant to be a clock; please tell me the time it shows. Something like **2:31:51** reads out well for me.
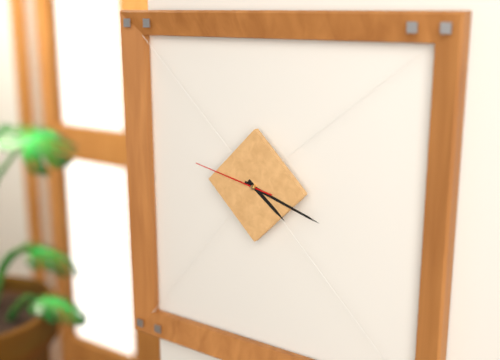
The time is **4:18:47**
